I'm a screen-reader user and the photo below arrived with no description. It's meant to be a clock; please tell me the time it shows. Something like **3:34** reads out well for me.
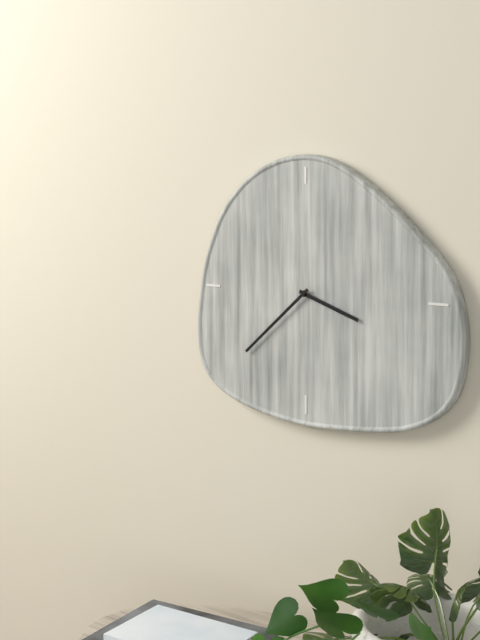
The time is **3:38**
